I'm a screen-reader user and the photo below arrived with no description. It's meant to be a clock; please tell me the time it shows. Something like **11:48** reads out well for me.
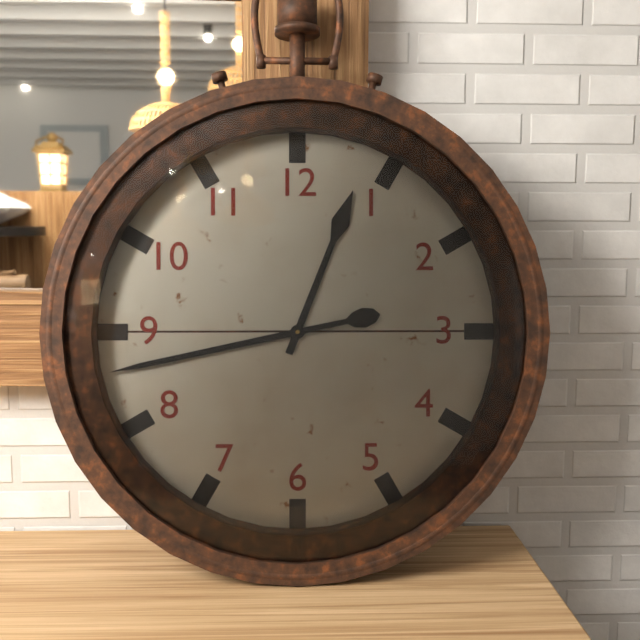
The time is **12:43**
